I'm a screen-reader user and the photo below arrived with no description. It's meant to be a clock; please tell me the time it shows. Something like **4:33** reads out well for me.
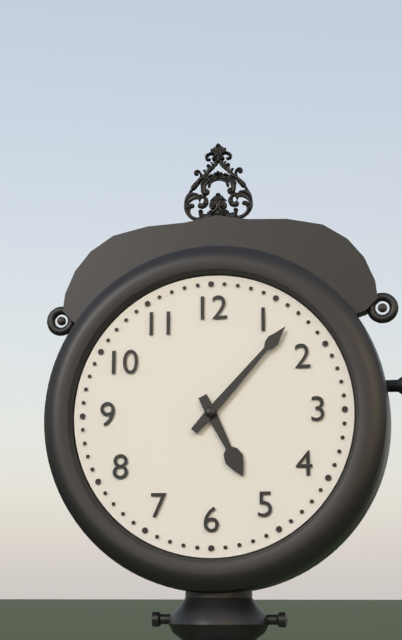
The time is **5:07**
